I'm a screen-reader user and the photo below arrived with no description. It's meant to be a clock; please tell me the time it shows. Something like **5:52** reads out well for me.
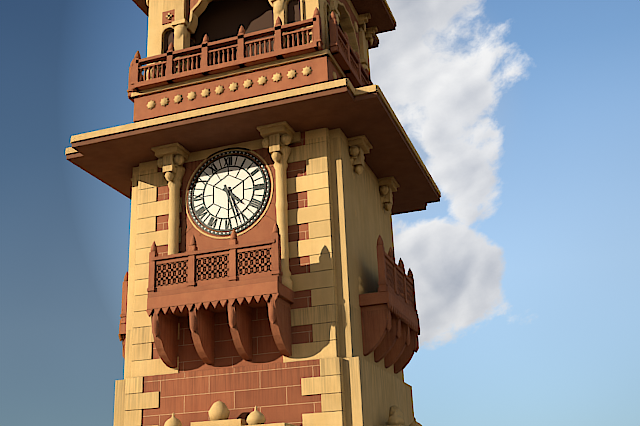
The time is **4:27**
